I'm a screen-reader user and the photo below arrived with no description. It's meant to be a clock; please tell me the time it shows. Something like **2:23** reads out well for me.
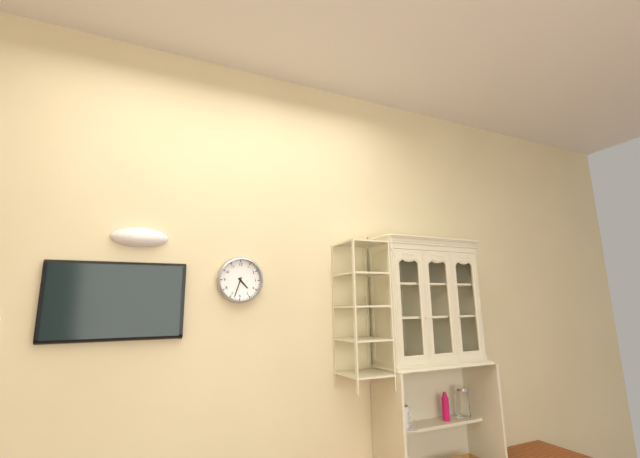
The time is **4:33**
